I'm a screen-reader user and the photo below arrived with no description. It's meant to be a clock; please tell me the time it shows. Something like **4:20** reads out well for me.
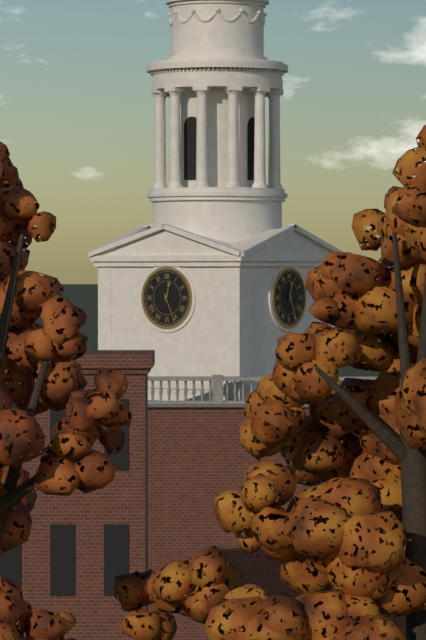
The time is **12:26**
